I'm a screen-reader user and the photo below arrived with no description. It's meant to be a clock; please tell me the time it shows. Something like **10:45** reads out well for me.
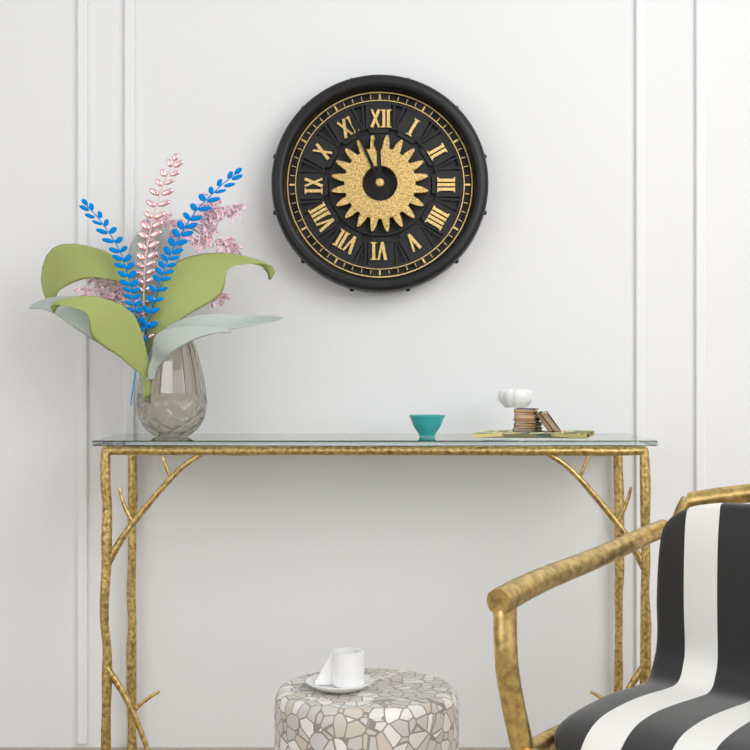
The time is **11:56**
